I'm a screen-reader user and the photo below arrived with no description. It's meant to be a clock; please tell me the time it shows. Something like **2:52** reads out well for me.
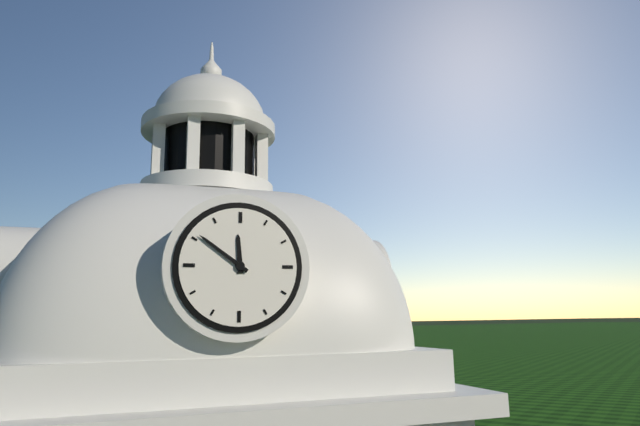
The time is **11:51**
